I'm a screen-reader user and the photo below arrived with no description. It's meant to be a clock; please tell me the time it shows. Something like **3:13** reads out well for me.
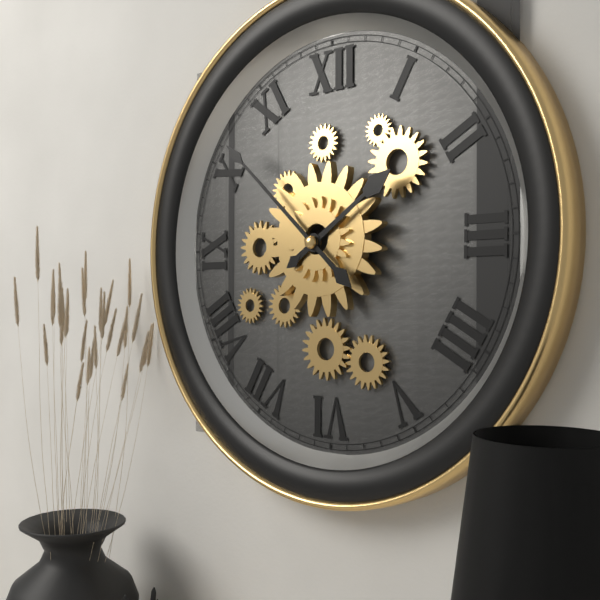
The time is **1:52**
